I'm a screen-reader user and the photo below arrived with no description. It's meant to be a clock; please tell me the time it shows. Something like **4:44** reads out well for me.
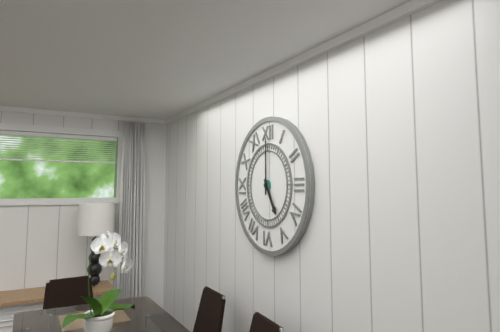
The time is **5:00**
